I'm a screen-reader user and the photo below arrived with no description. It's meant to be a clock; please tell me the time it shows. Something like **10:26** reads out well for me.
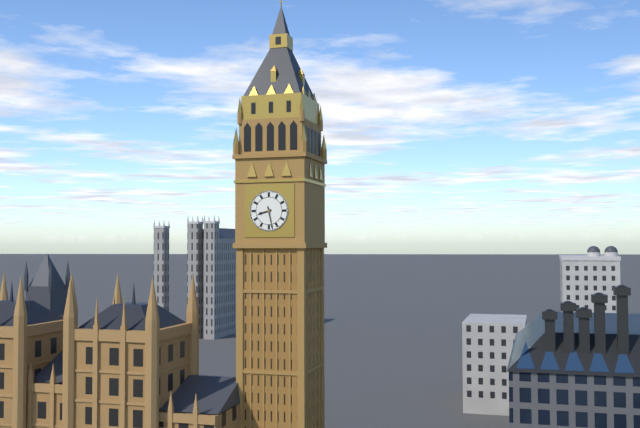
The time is **8:28**
